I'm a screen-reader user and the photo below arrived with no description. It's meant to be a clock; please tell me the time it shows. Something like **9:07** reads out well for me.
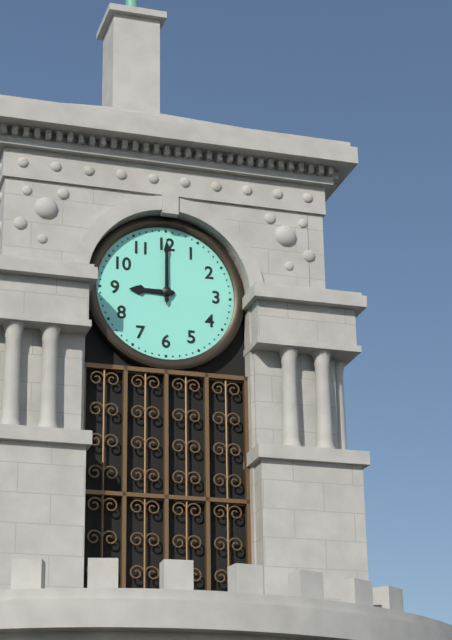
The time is **9:00**
